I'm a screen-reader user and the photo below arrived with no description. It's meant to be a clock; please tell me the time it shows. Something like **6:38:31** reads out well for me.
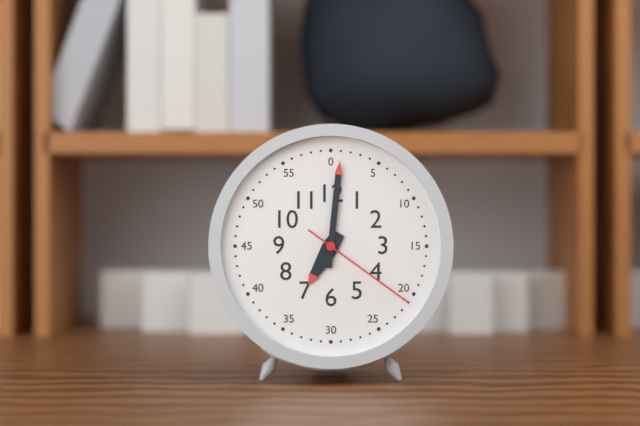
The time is **7:01:21**
